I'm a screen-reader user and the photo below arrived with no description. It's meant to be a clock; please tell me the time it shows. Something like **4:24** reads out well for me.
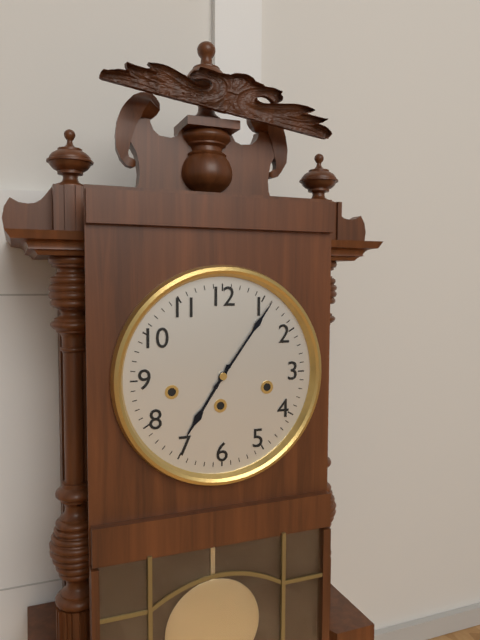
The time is **7:06**
